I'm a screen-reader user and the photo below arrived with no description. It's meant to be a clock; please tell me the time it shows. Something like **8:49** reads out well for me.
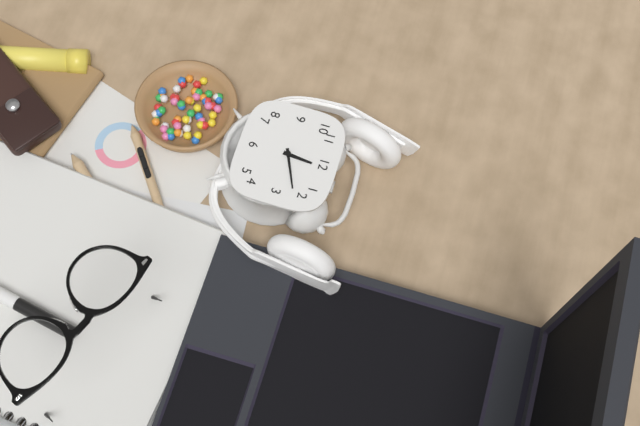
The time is **12:11**
